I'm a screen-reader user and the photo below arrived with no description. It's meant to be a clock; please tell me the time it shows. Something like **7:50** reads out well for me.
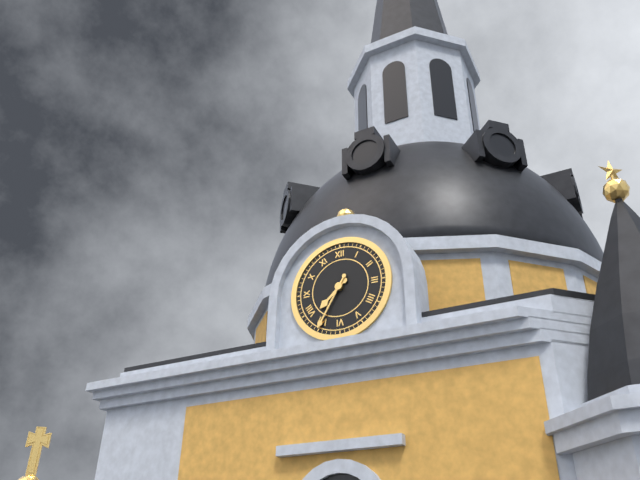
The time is **7:35**
